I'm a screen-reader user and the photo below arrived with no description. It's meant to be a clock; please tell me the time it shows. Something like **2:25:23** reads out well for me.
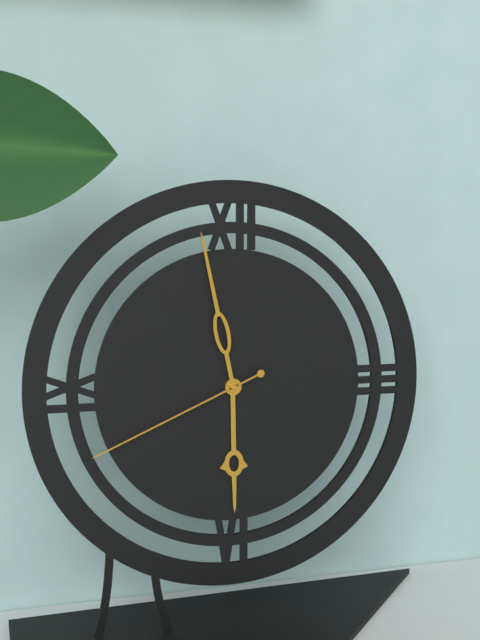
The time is **5:58:41**
